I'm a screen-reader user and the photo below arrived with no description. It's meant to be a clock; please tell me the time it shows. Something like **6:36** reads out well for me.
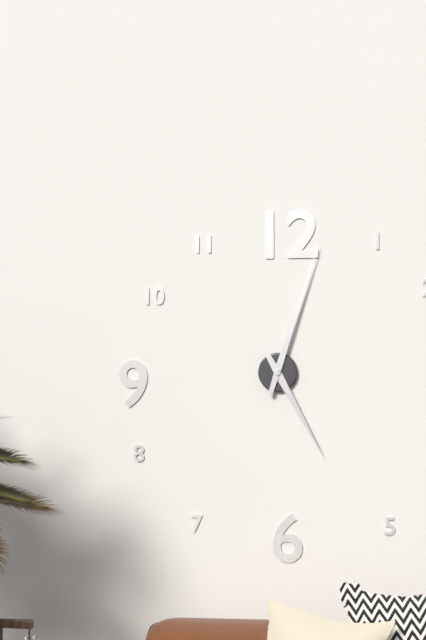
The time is **5:03**
